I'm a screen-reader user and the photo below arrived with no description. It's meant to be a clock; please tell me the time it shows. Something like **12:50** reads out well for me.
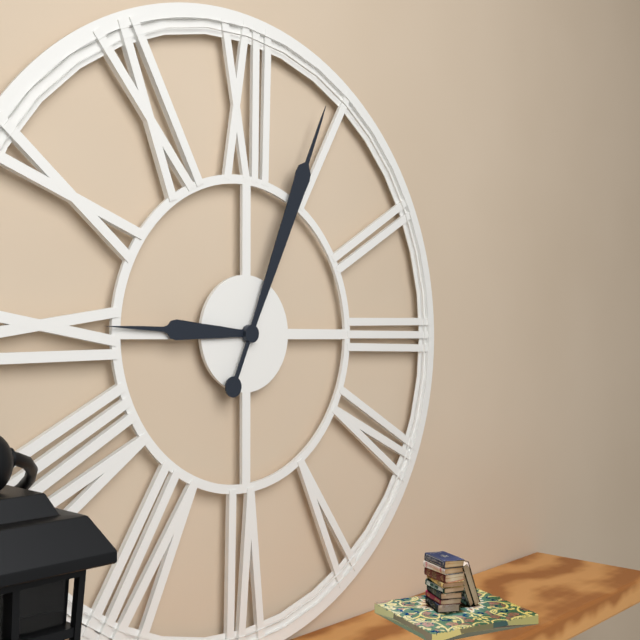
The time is **9:04**
